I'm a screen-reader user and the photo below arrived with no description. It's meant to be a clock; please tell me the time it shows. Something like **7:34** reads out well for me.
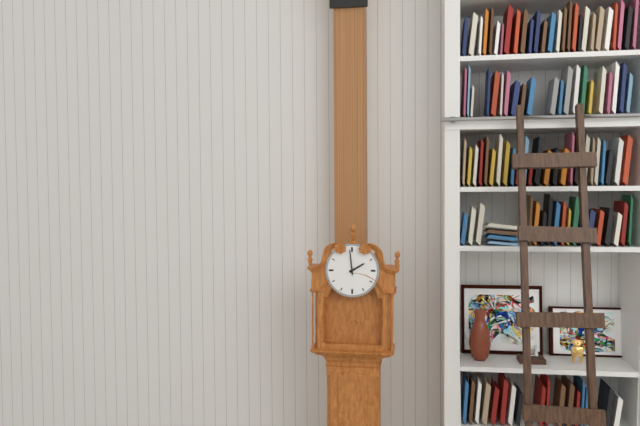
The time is **1:59**
